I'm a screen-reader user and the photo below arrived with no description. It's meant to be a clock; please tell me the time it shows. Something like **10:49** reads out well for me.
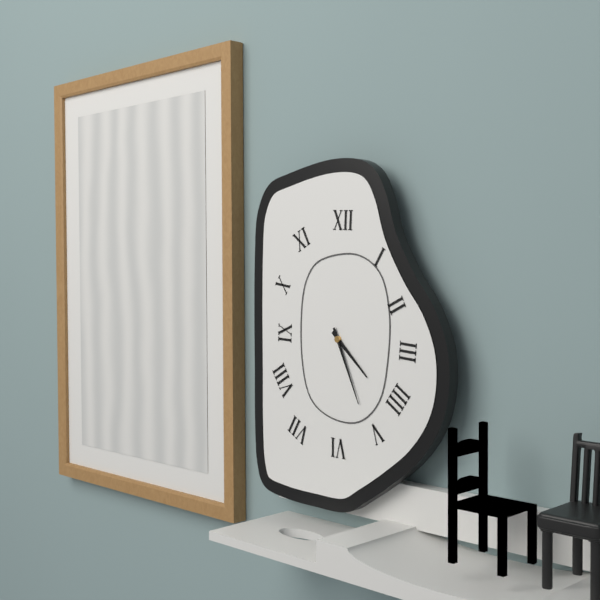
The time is **4:26**
